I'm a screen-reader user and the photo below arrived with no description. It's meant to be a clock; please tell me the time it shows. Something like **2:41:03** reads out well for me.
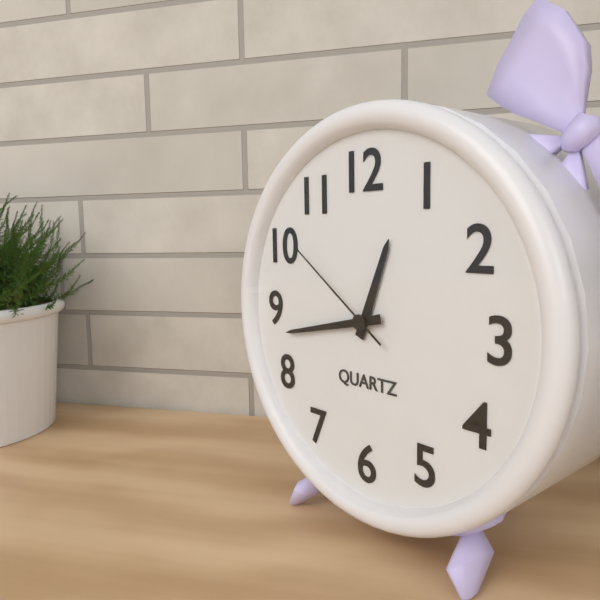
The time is **12:43:51**
